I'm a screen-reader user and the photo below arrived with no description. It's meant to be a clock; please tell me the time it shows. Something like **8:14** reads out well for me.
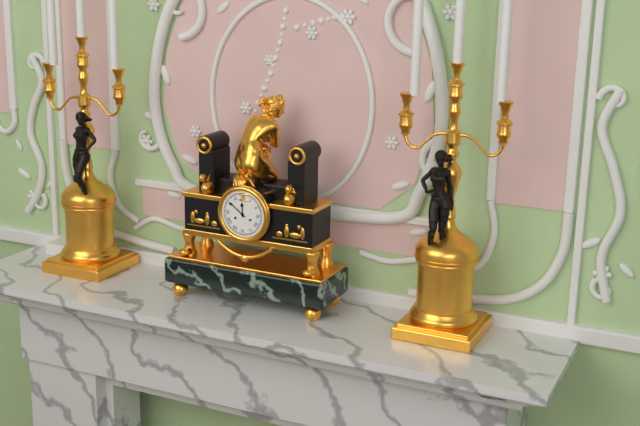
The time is **11:51**
